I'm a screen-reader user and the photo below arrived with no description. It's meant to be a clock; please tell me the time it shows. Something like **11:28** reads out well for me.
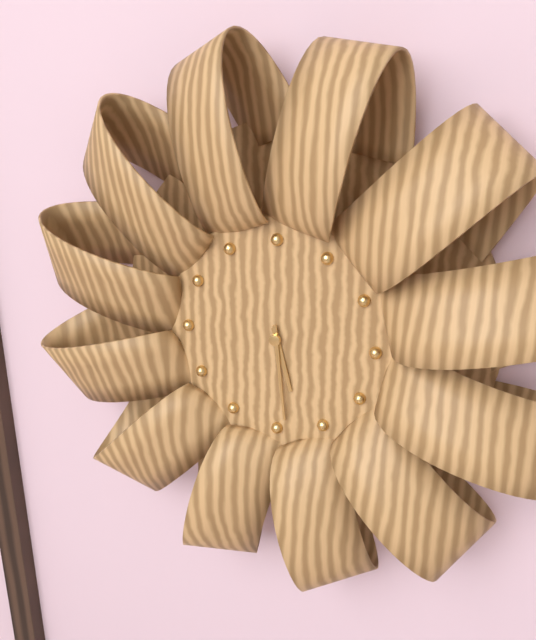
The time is **5:29**
